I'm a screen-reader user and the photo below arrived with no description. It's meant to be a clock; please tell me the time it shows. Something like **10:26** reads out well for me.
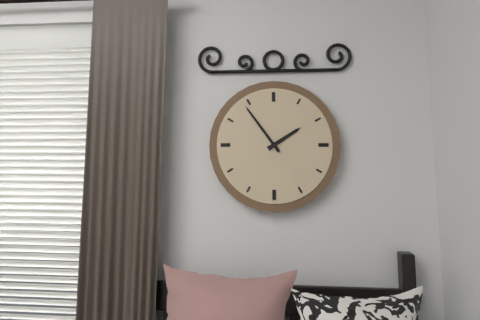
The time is **1:54**
